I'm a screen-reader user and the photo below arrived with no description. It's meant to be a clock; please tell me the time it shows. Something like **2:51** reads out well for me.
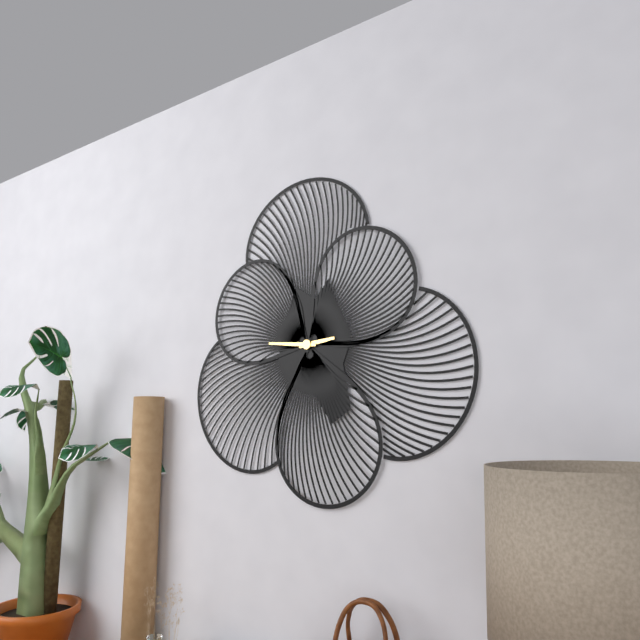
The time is **2:46**
